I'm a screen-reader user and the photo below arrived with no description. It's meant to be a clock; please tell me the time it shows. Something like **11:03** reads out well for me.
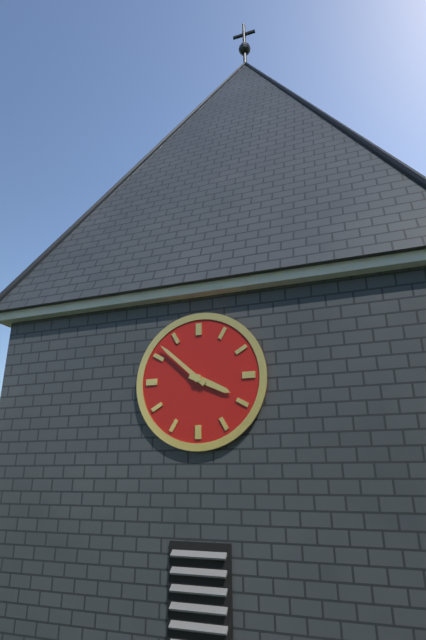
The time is **3:52**
